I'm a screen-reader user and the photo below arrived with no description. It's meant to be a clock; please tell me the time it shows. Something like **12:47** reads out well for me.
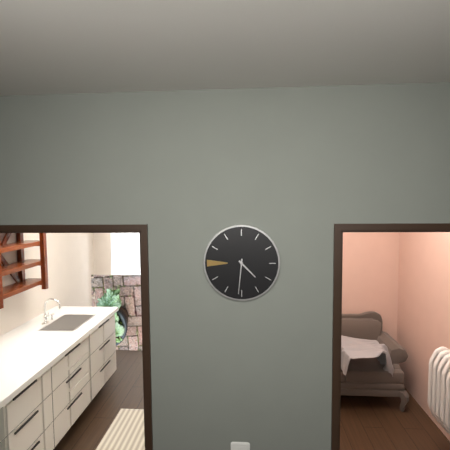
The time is **4:31**
